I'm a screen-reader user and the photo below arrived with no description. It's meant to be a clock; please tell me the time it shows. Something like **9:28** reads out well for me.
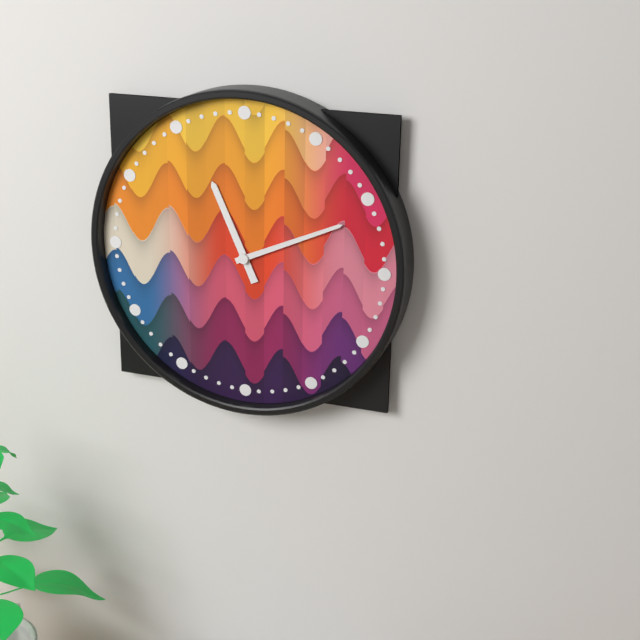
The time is **11:11**
